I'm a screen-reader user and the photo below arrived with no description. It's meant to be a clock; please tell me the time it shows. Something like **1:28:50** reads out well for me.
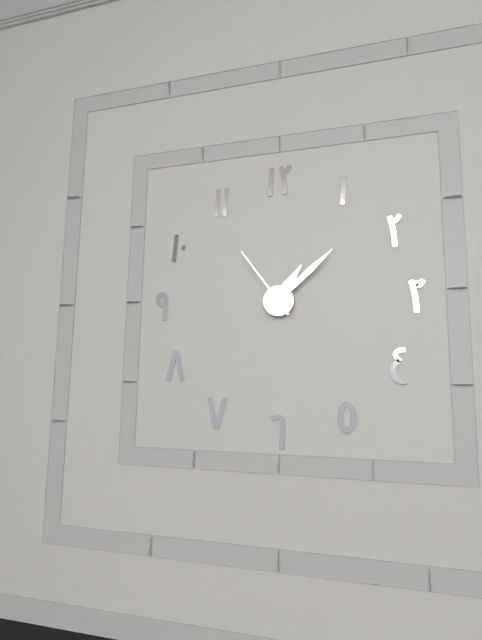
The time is **1:08:54**
